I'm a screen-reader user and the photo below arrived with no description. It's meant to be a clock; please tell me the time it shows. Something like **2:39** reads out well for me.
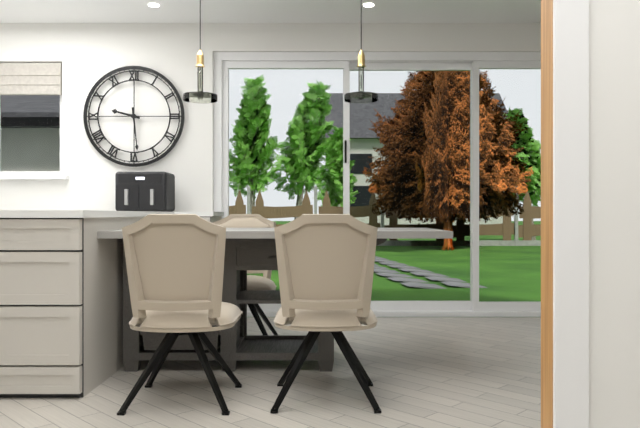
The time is **9:29**
